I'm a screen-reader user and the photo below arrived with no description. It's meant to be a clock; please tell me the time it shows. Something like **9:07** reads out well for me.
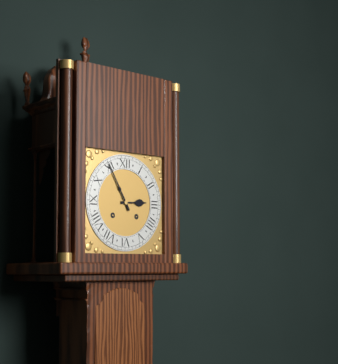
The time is **2:55**
